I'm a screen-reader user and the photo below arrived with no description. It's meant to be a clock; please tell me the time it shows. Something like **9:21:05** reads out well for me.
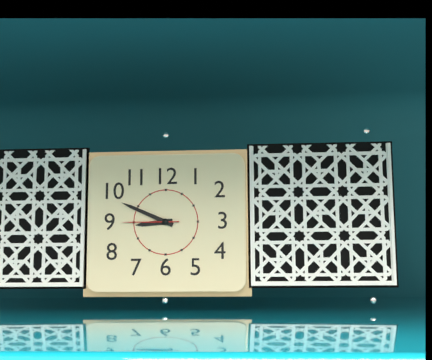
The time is **8:49:45**
